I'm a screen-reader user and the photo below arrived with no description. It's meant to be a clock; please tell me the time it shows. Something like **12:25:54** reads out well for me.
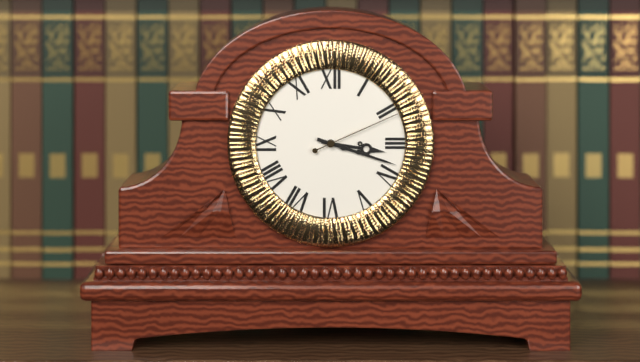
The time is **3:18:11**
